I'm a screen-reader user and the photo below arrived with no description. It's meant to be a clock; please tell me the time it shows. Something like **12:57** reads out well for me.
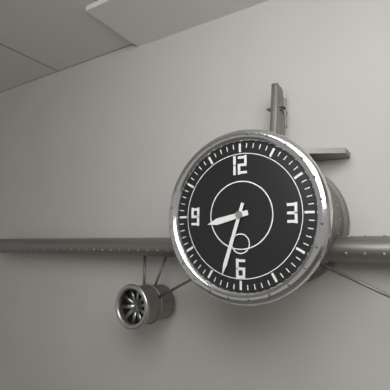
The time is **8:33**
